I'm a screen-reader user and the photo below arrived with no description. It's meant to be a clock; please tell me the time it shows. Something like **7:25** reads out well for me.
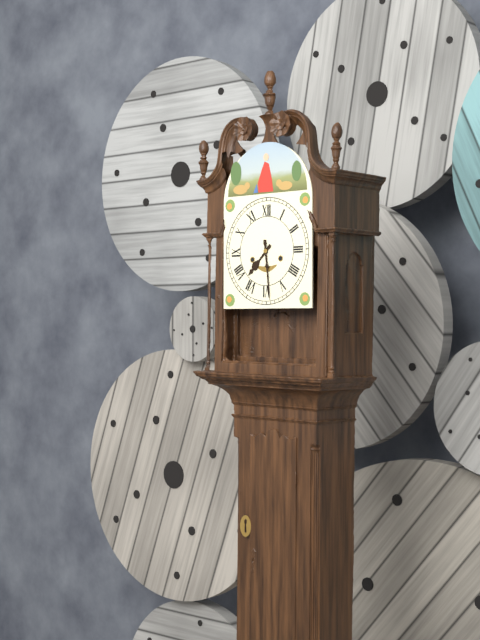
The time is **7:29**
